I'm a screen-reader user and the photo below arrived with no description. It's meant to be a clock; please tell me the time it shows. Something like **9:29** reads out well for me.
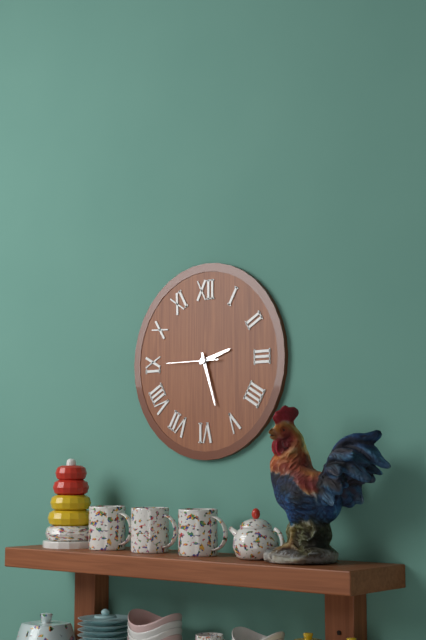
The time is **2:27**
